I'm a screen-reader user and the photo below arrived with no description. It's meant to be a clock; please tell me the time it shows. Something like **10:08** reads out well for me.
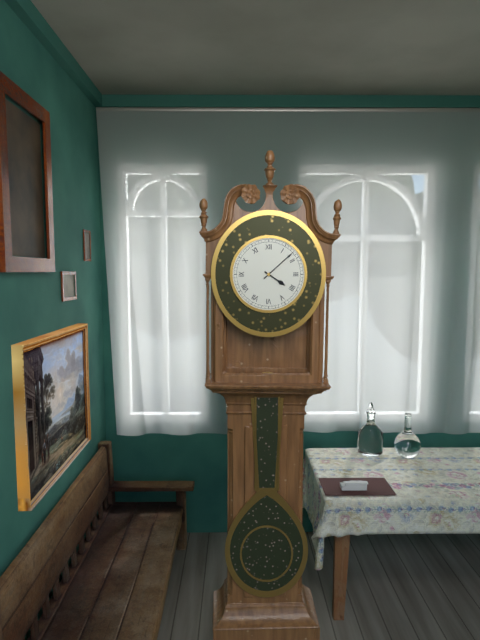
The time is **4:08**
